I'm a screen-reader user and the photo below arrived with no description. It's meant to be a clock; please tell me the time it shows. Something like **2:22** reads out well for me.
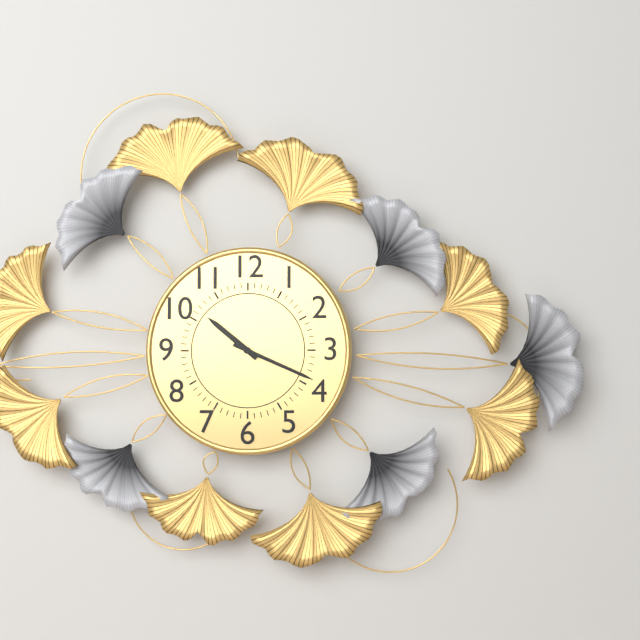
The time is **10:19**
